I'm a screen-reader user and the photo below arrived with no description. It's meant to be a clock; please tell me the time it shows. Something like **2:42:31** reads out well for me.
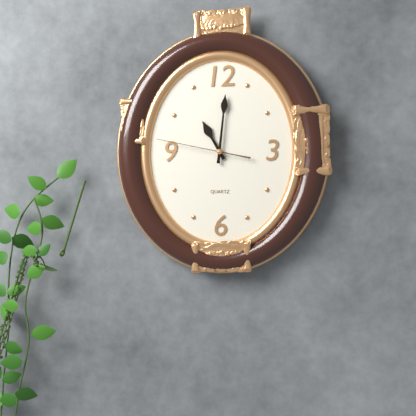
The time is **11:01:47**
